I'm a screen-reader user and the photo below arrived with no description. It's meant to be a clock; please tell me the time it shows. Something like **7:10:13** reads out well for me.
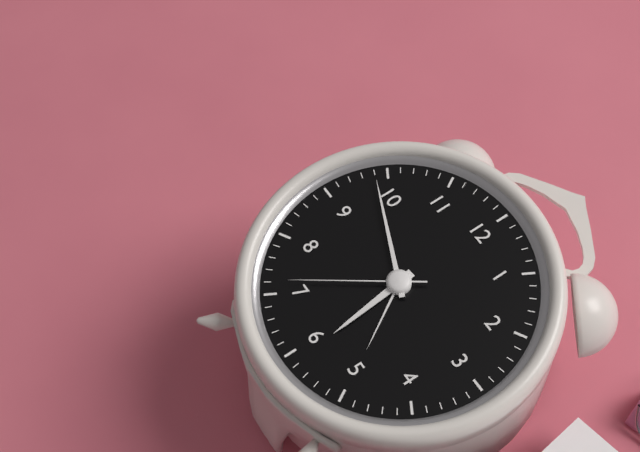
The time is **5:49:36**
